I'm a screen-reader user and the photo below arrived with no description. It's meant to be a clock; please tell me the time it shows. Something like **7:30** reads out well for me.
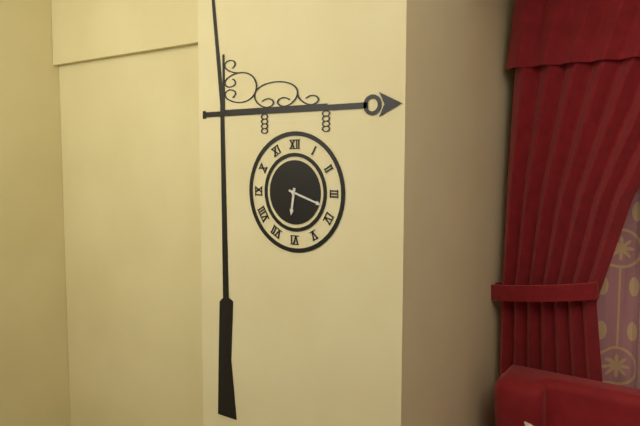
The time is **6:18**
